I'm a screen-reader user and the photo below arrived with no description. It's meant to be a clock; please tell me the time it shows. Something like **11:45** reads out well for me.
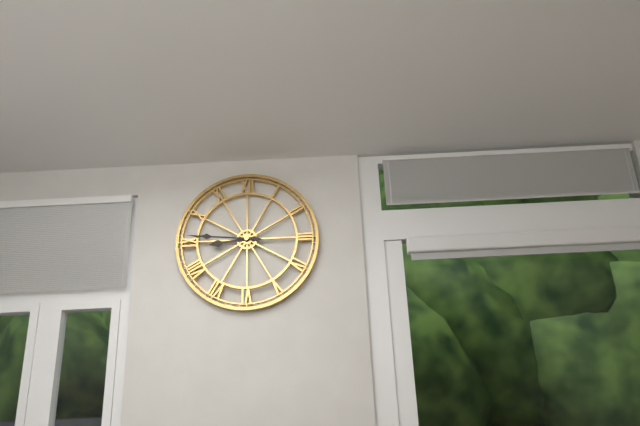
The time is **8:46**
